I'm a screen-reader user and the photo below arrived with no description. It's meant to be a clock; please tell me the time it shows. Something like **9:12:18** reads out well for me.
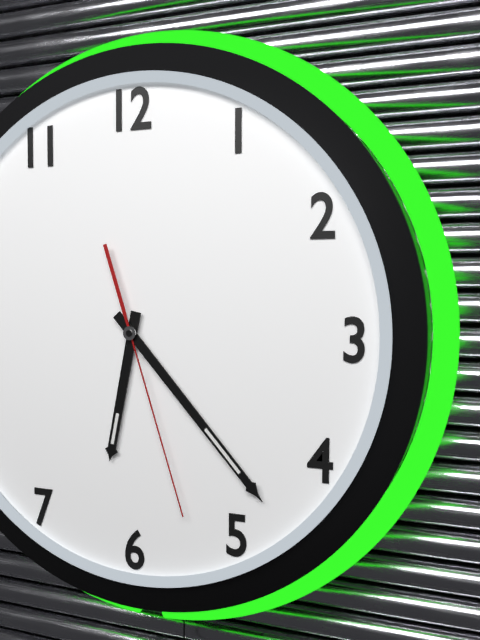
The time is **6:23:27**
